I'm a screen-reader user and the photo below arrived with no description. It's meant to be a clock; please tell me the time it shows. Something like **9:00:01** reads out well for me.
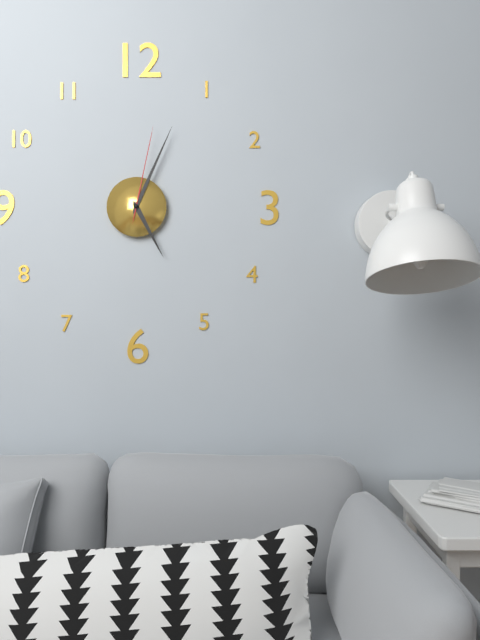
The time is **5:04:02**
